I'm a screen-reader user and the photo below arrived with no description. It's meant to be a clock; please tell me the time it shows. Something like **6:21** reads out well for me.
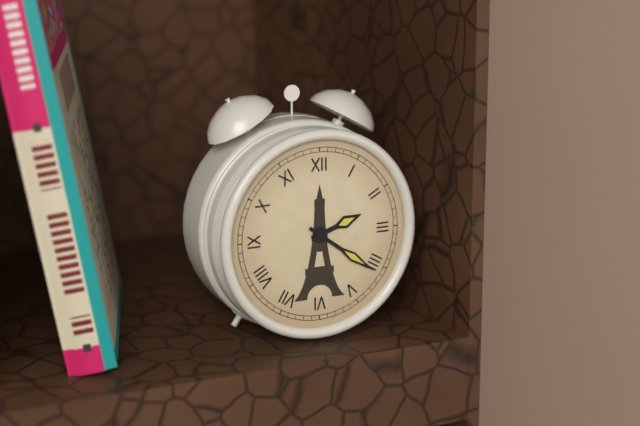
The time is **2:21**
